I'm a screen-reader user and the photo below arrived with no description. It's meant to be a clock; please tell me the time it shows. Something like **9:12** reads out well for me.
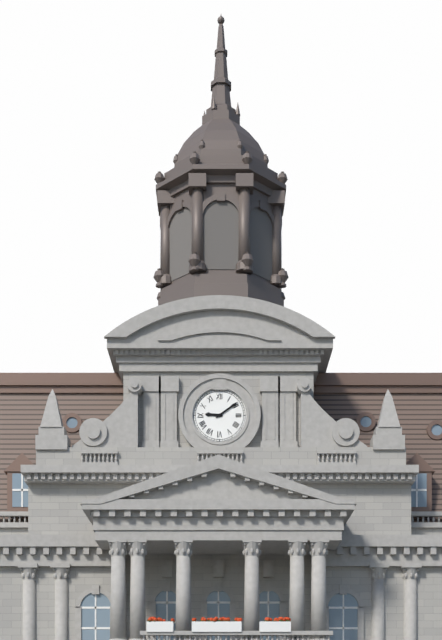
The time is **9:09**
